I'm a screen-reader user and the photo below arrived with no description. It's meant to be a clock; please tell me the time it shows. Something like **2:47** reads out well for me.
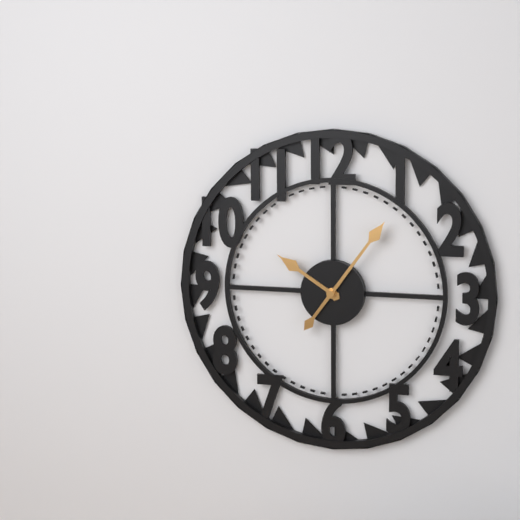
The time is **10:06**
